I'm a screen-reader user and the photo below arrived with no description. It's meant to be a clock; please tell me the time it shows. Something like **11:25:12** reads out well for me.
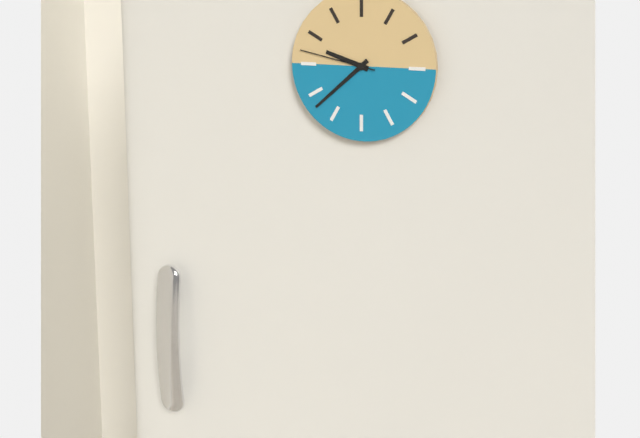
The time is **9:38:47**
